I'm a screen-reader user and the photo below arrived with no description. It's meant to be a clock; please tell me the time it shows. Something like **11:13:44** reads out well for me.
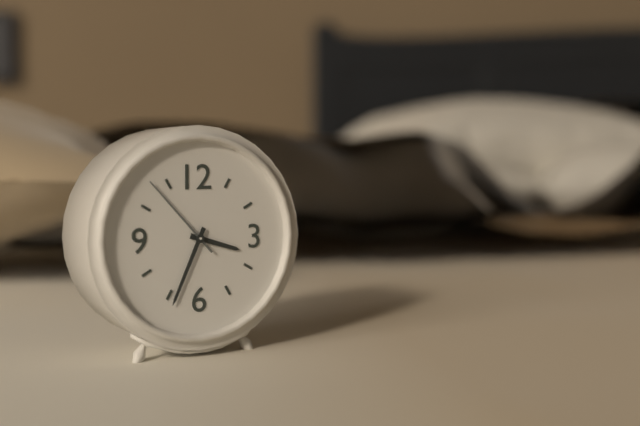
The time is **3:34:53**
